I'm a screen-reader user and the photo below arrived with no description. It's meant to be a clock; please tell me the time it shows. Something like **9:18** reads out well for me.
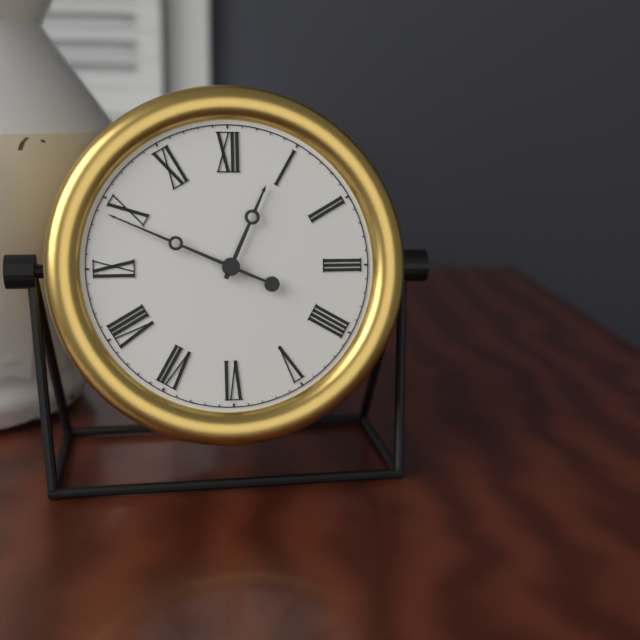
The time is **12:49**
